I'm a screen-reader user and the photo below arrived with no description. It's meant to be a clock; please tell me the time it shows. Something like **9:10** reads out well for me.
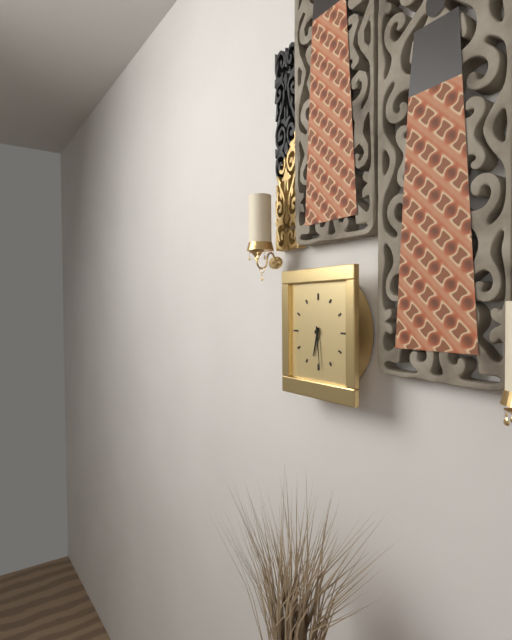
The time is **6:29**
